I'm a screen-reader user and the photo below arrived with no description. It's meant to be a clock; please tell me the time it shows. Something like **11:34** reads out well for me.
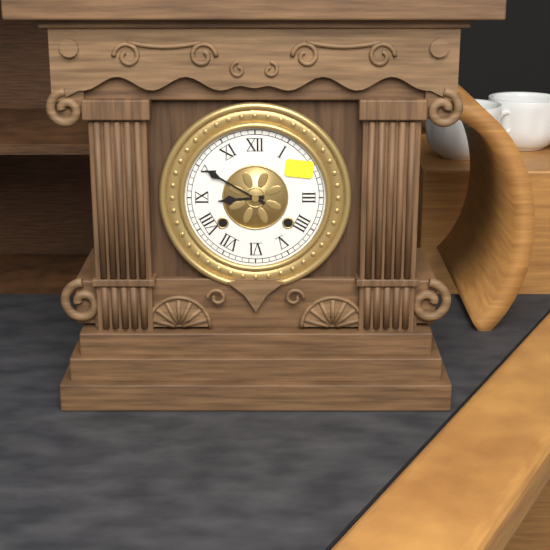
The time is **8:50**
